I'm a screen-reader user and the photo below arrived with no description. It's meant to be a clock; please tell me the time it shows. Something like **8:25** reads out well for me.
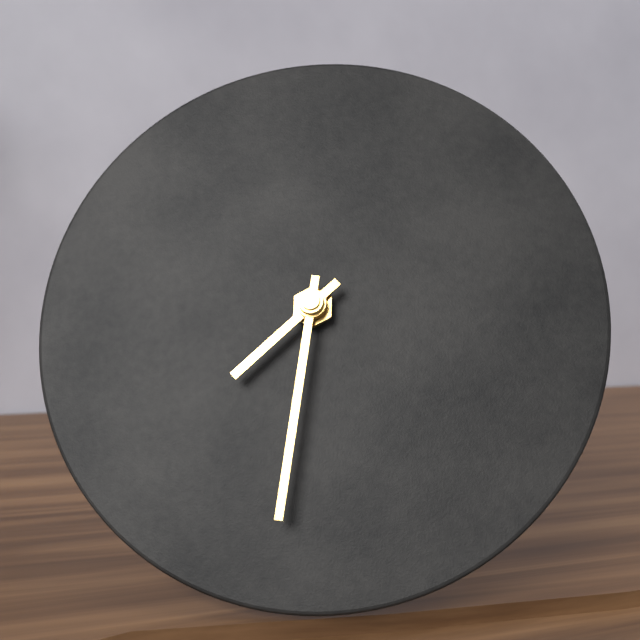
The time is **7:31**
